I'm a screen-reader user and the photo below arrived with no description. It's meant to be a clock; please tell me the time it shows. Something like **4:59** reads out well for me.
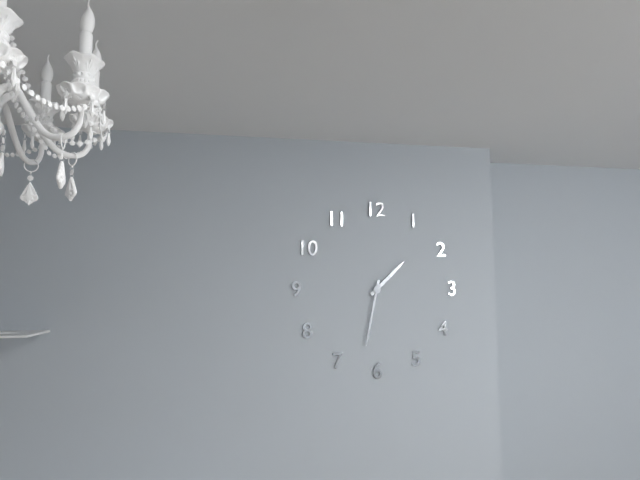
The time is **1:32**
